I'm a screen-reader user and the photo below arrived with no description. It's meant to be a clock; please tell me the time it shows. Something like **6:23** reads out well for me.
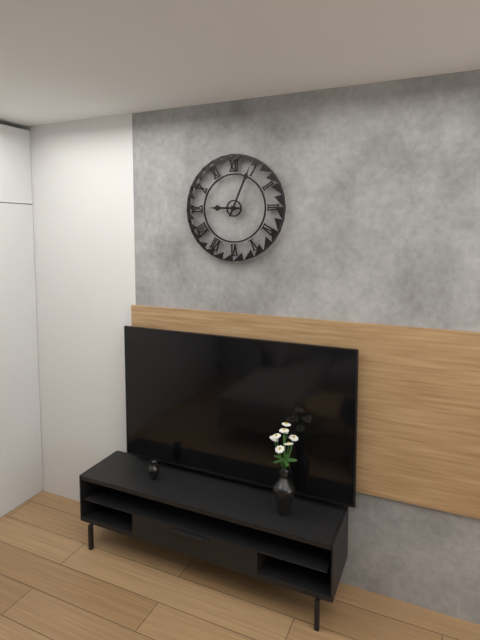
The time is **9:04**
